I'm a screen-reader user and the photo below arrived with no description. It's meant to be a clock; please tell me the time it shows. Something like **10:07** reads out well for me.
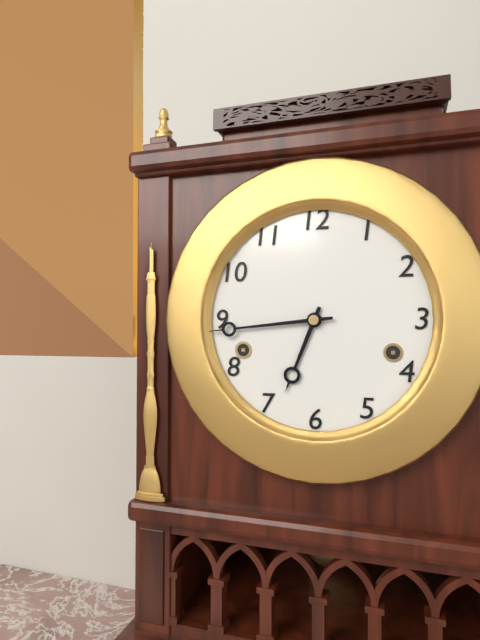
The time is **6:44**
